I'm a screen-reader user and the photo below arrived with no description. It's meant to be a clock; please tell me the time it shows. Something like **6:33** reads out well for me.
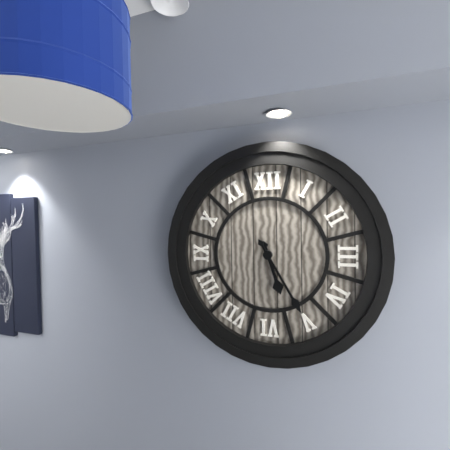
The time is **5:25**
